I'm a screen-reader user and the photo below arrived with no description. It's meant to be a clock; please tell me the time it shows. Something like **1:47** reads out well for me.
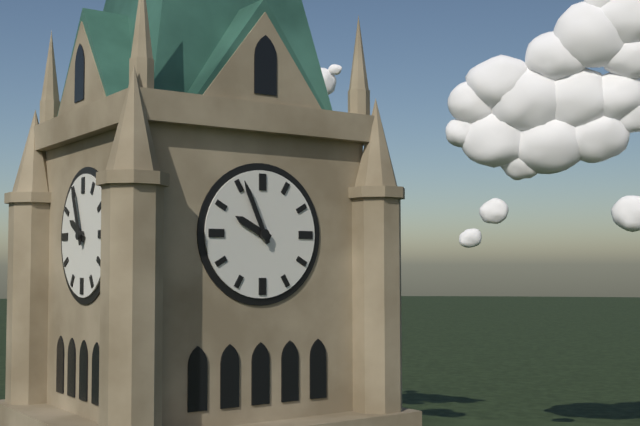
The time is **9:56**
